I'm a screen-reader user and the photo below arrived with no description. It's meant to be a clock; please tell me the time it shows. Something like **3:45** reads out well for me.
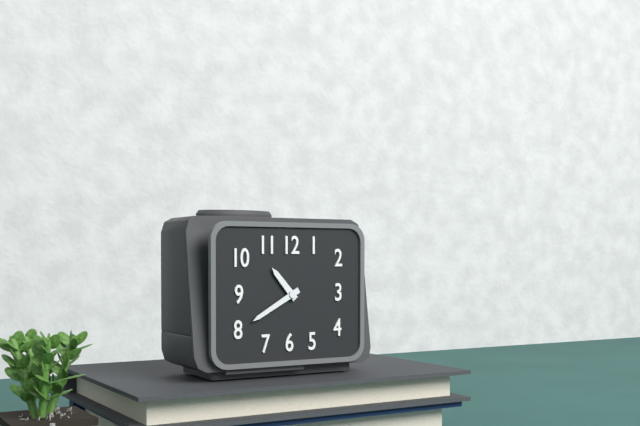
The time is **10:40**
